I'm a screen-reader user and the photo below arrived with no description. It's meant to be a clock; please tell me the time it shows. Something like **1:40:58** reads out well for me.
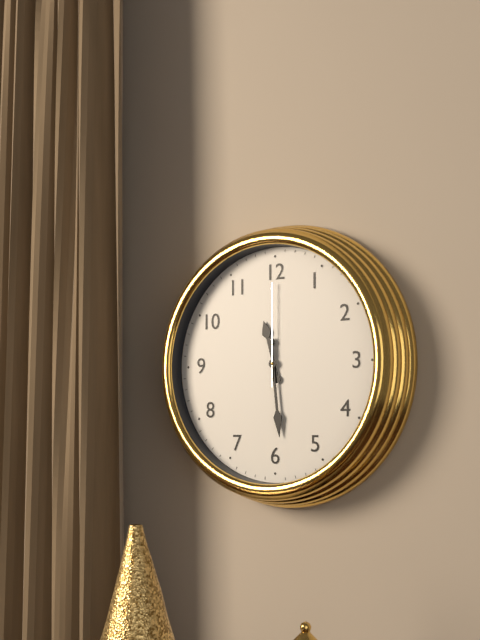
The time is **11:29:00**
